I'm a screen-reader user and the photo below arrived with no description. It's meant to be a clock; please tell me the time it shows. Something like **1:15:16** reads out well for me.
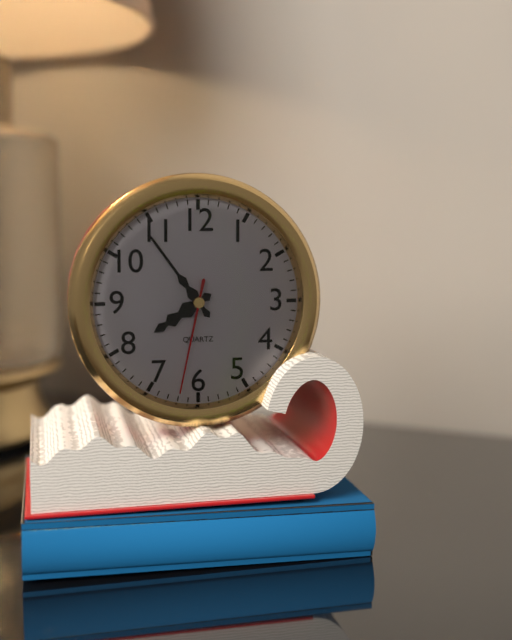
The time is **7:54:32**
